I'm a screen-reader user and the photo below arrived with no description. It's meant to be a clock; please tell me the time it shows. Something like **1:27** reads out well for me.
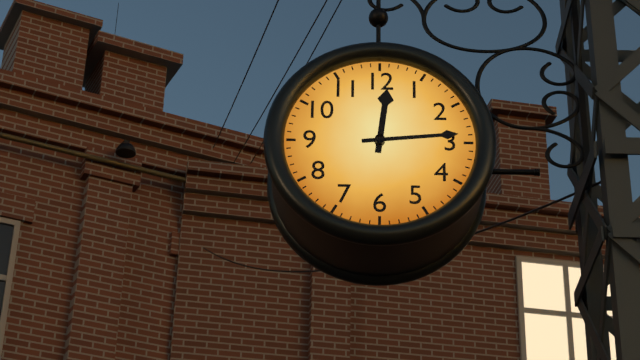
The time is **12:14**
